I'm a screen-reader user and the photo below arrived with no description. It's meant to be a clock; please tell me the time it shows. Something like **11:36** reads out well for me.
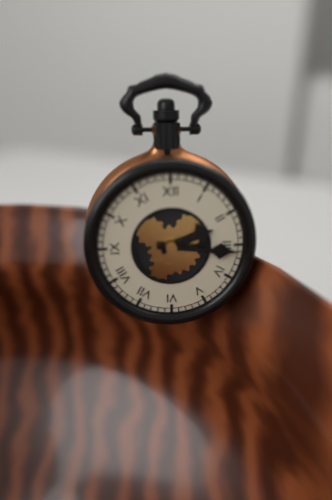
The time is **2:16**
